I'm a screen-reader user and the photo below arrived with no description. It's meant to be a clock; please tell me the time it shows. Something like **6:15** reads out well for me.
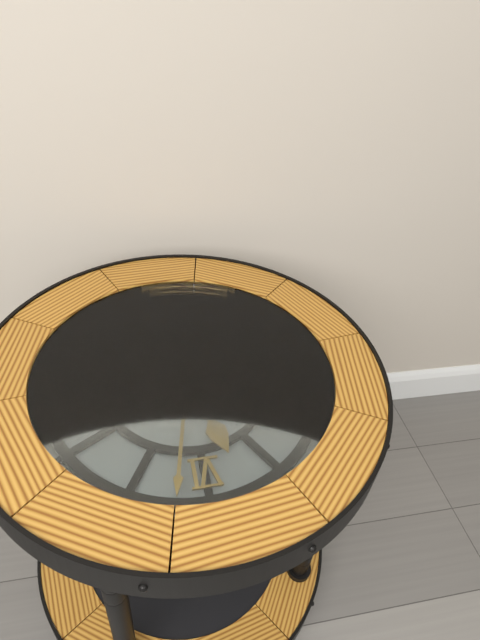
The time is **5:32**
